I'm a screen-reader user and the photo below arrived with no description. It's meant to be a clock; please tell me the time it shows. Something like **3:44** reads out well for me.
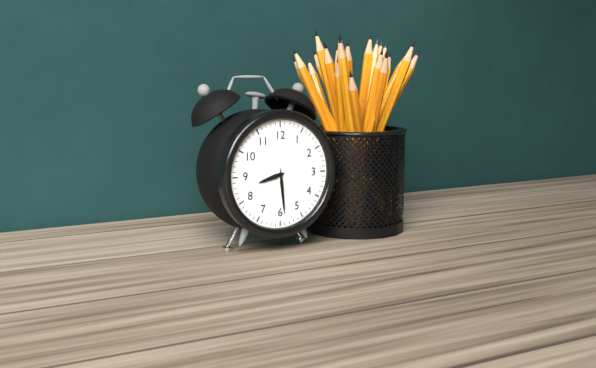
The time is **8:29**
